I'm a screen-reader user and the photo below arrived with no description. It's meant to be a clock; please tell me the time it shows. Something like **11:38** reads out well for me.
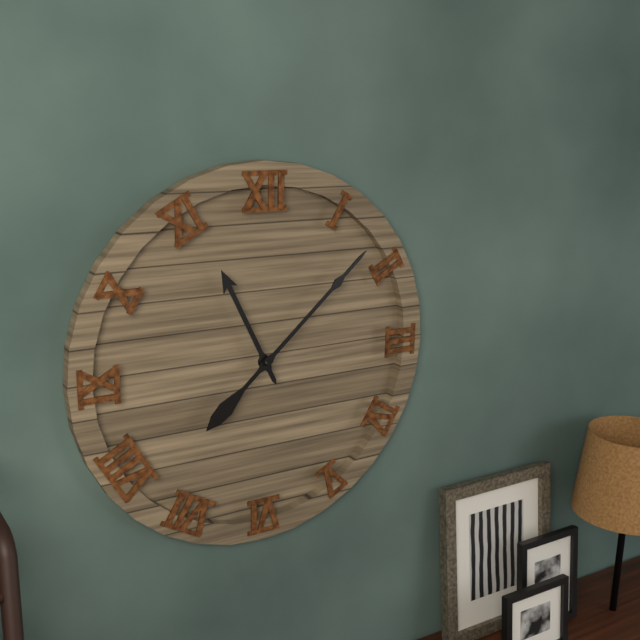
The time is **11:08**
